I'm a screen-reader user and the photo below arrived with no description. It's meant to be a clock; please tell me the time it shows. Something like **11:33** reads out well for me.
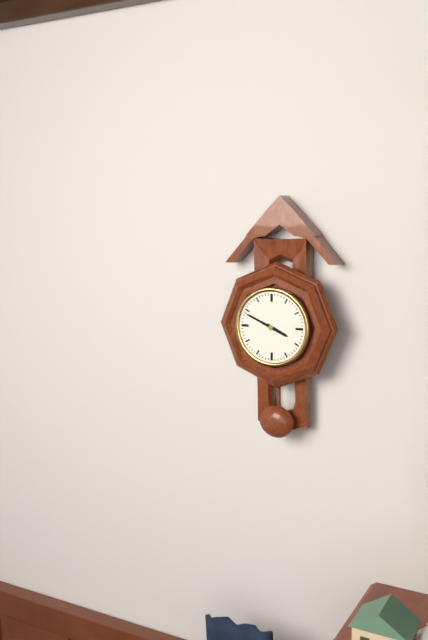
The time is **3:49**
